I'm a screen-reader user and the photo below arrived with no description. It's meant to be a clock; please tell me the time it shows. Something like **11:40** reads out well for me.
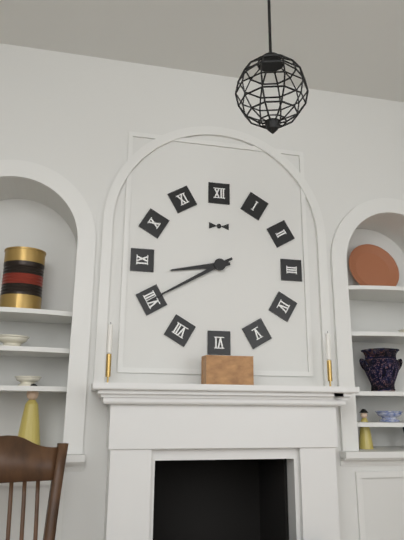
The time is **8:40**
